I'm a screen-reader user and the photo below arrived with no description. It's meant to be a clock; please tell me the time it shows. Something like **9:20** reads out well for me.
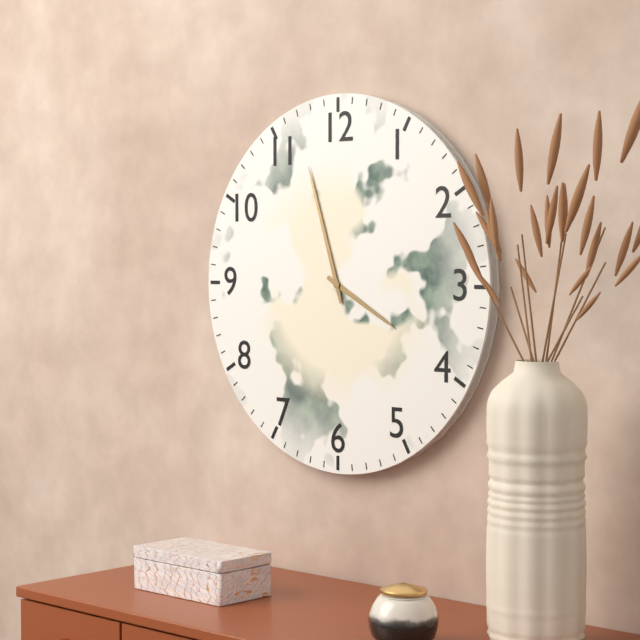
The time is **3:57**
